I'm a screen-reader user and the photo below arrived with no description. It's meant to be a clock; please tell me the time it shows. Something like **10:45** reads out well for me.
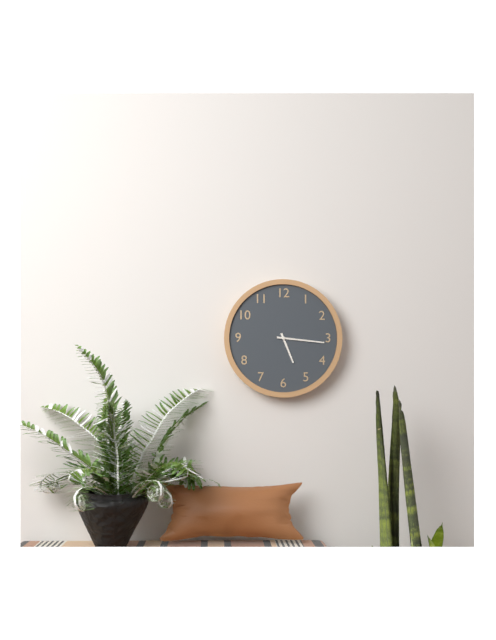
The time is **5:16**
